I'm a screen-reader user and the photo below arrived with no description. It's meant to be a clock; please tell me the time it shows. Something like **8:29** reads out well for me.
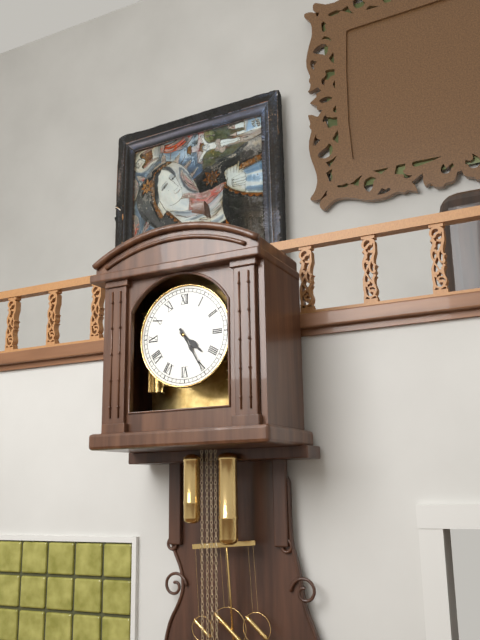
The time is **4:25**
